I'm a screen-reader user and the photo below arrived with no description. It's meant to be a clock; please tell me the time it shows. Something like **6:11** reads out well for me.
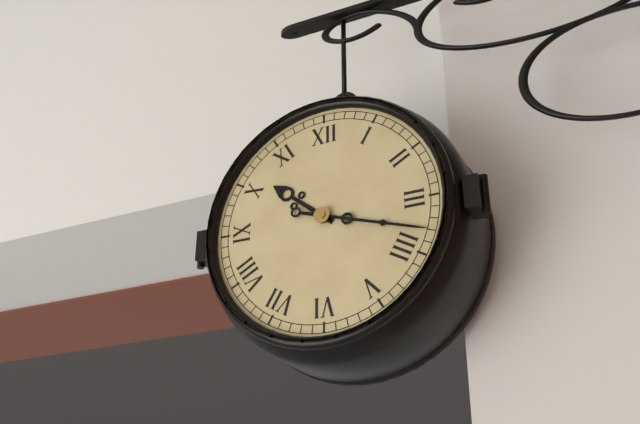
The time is **10:18**
